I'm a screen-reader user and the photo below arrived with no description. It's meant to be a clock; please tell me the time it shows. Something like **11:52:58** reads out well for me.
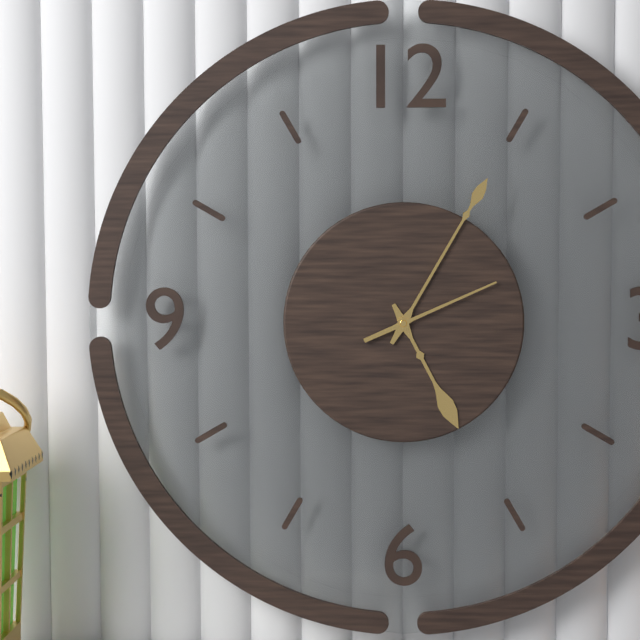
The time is **5:05:11**
